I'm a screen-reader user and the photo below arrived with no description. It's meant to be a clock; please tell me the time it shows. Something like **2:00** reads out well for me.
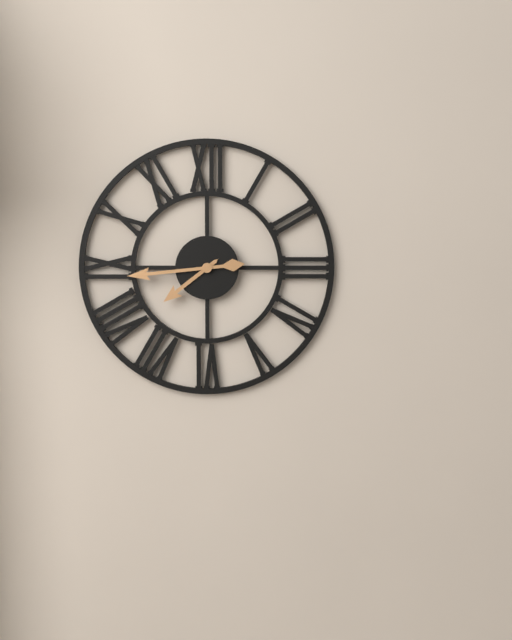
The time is **7:44**
